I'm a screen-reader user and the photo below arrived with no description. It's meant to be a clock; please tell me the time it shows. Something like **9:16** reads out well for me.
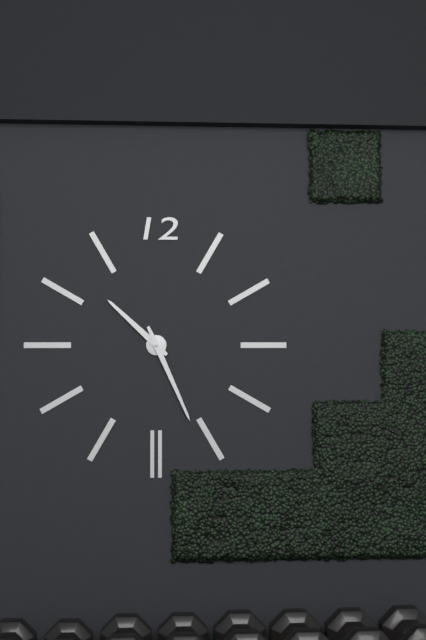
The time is **10:26**
